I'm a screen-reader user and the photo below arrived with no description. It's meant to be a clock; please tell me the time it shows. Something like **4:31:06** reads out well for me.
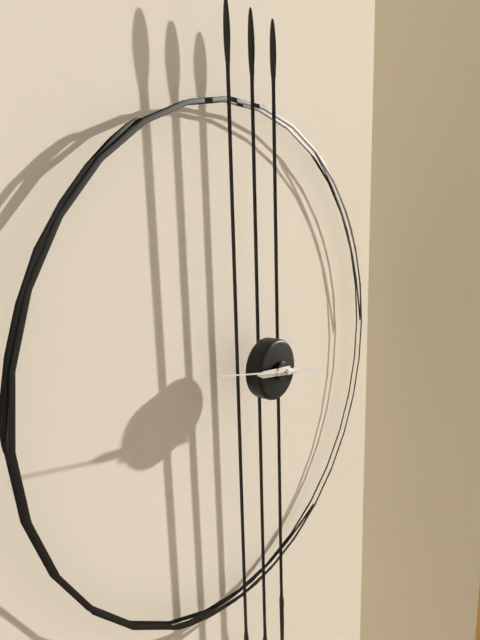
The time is **9:17:47**
